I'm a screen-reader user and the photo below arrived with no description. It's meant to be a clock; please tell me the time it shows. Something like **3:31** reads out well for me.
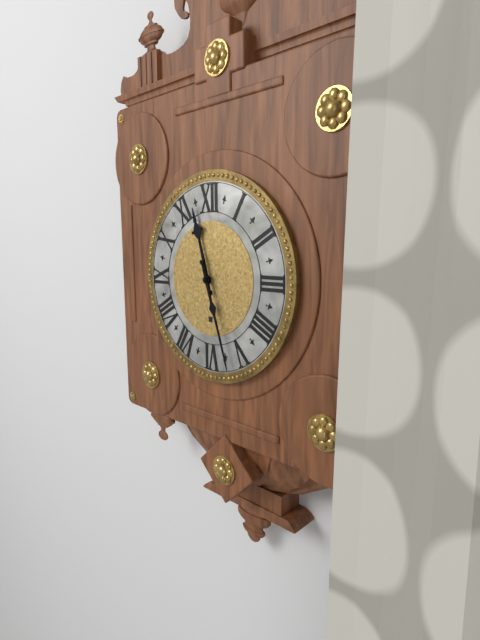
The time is **11:27**
